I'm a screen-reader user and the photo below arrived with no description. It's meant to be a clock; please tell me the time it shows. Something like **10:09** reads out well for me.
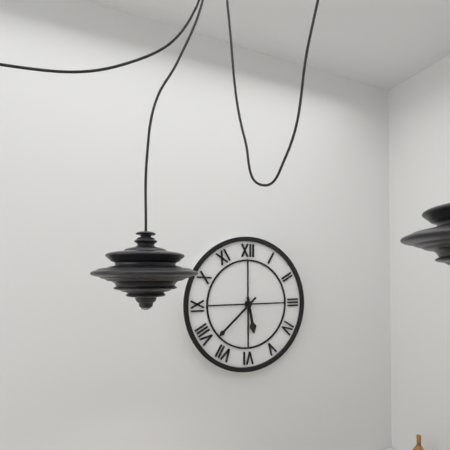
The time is **5:38**
